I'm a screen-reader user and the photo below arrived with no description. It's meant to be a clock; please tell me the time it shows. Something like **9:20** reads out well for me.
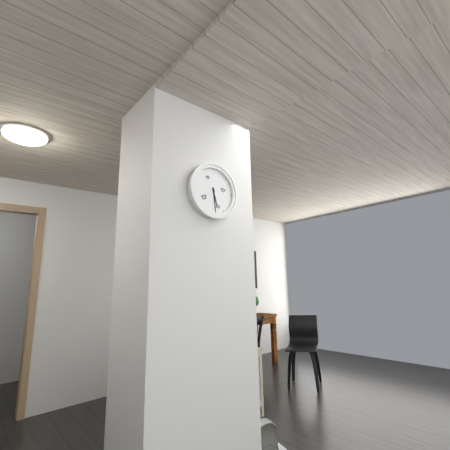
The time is **5:29**
